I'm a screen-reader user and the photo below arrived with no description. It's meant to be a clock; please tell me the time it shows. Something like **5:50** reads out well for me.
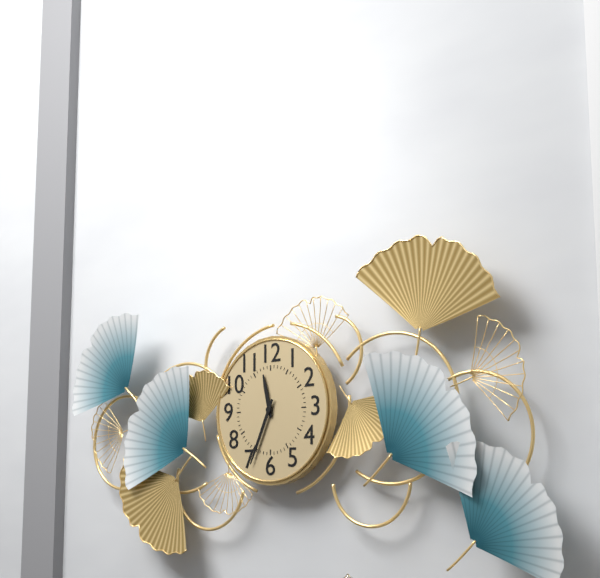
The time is **11:34**
